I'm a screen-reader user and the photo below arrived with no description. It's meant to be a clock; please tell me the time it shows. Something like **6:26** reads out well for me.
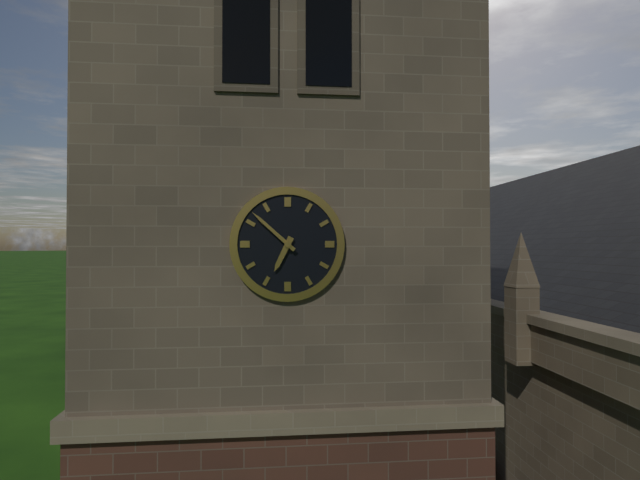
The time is **6:52**
